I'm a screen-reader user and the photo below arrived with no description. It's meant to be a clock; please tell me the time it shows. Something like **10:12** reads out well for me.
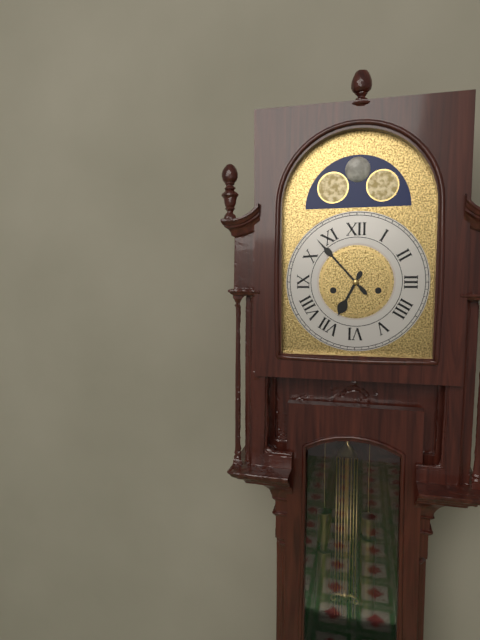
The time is **6:53**
